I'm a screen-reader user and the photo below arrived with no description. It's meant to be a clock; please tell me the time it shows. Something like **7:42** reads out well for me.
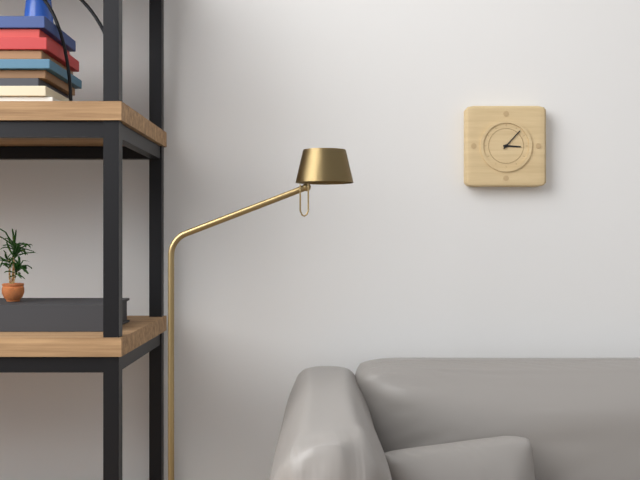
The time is **3:07**
